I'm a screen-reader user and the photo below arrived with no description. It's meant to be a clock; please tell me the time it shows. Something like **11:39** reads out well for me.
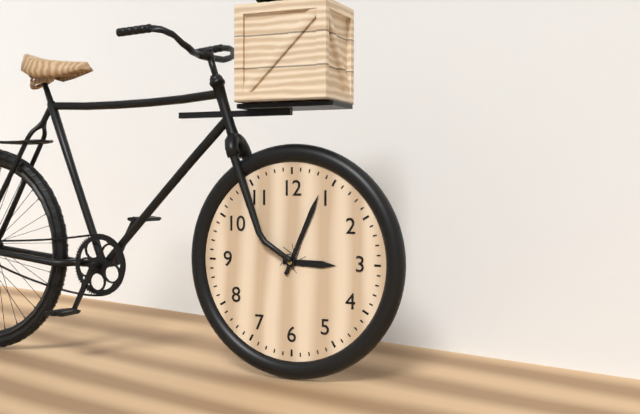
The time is **3:04**
